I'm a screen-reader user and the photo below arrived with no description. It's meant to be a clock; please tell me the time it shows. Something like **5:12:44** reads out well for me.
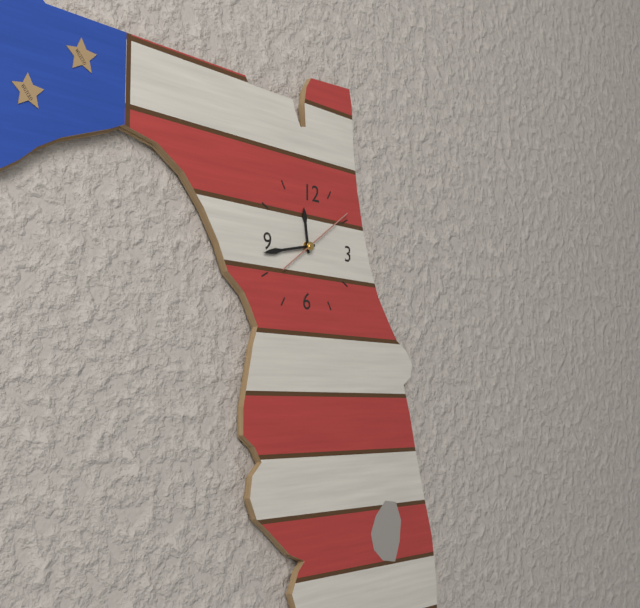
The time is **11:43:09**
